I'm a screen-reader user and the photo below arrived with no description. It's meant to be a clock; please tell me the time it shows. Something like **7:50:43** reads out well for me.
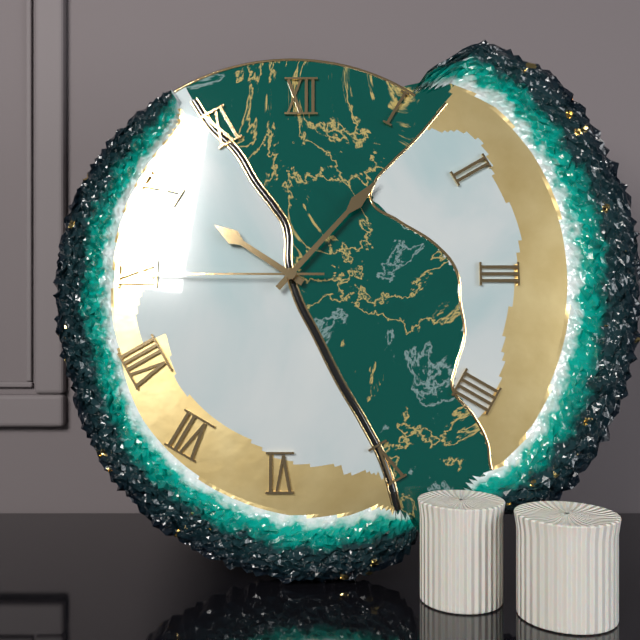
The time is **10:07:45**
